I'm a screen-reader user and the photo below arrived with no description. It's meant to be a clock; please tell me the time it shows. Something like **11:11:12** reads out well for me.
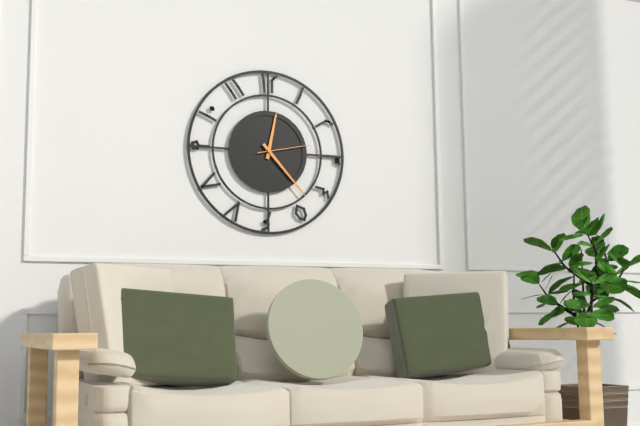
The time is **12:23:13**
